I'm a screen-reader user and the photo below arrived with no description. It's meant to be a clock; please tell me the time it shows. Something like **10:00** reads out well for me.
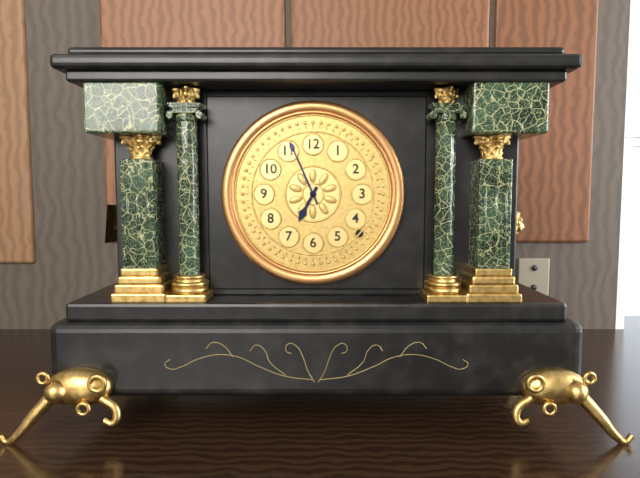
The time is **6:56**
